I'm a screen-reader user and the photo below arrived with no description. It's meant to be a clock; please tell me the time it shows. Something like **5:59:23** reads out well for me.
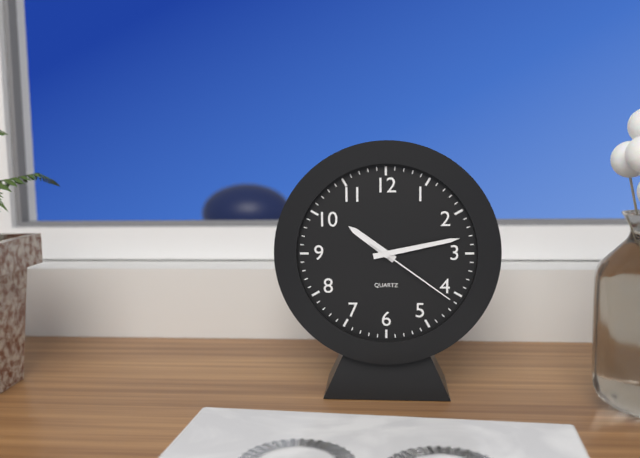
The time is **10:13:21**
